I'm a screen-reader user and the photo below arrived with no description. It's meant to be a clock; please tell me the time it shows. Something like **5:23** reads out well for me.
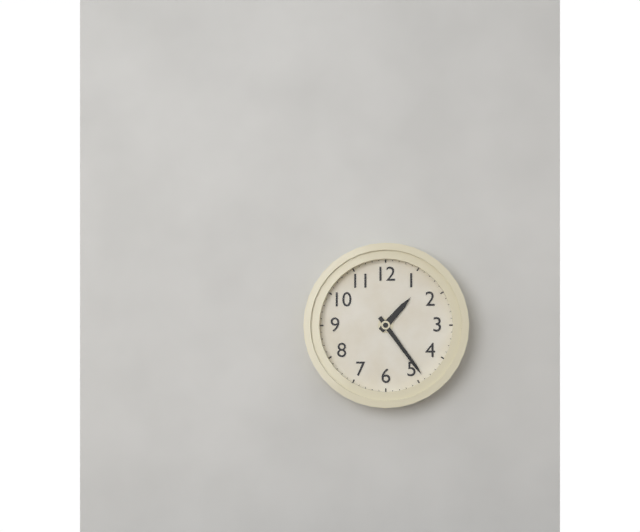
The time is **1:24**
